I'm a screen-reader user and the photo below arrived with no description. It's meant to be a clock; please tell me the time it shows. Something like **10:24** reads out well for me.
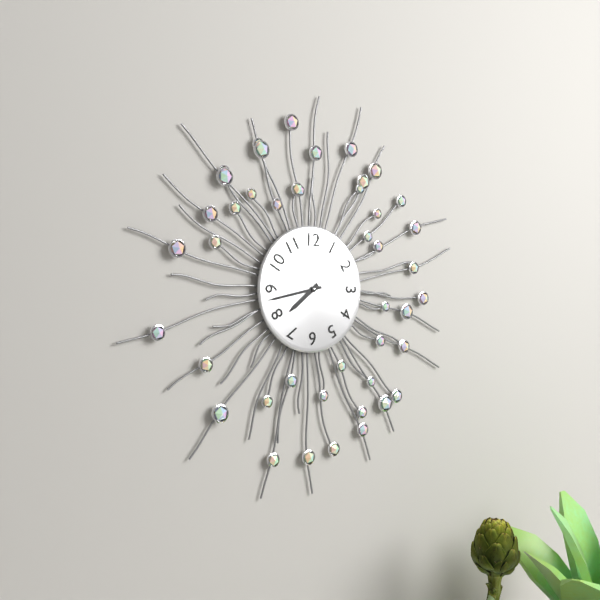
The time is **7:43**
